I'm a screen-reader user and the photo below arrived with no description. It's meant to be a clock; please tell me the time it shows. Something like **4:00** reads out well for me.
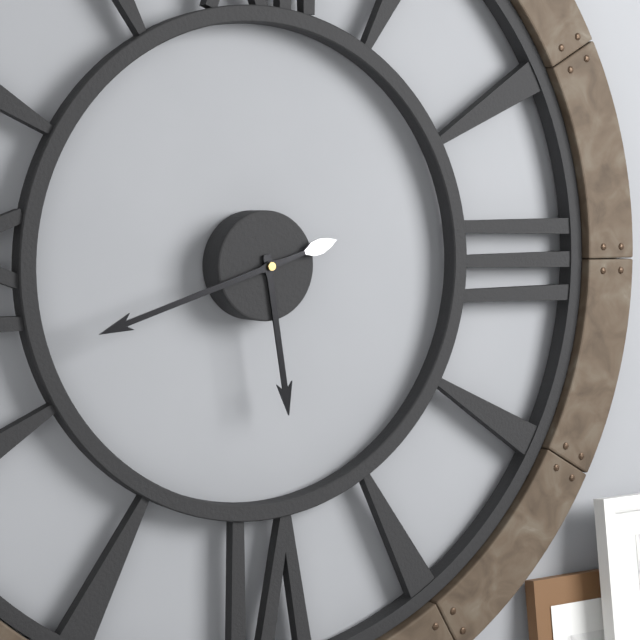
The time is **5:42**
